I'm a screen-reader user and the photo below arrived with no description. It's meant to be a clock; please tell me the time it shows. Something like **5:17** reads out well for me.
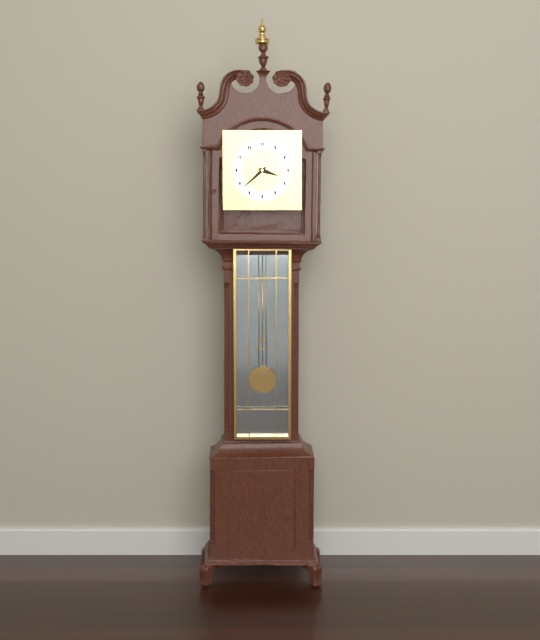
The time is **3:38**
